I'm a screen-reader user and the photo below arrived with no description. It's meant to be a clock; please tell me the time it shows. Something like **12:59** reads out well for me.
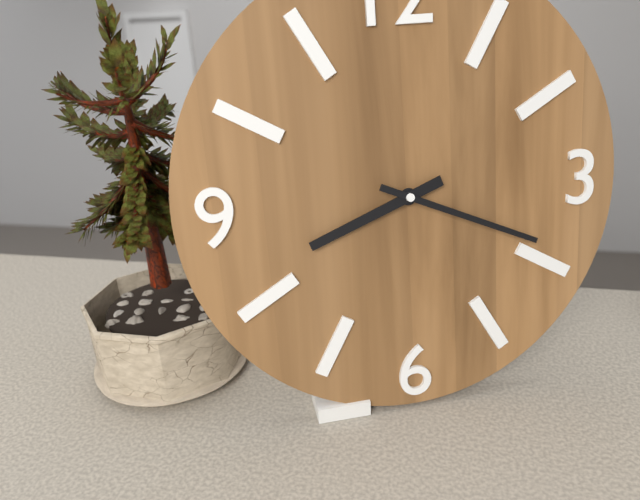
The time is **8:19**
